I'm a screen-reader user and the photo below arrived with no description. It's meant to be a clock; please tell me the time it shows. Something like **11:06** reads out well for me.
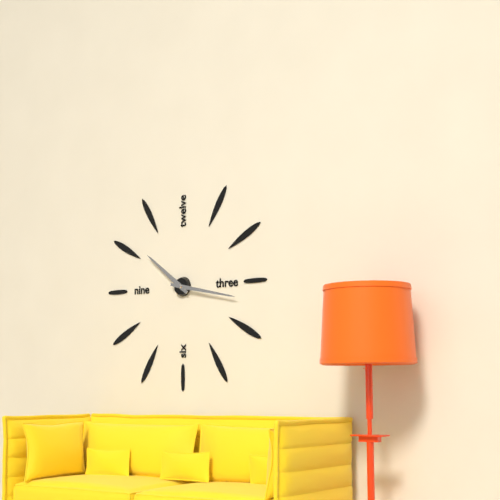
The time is **10:17**
